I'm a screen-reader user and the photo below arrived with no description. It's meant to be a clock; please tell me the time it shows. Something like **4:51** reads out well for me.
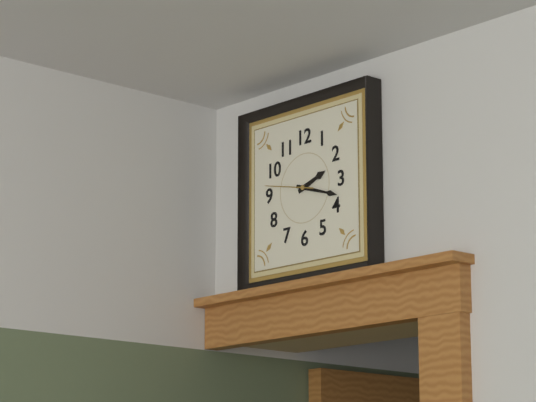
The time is **2:18**
